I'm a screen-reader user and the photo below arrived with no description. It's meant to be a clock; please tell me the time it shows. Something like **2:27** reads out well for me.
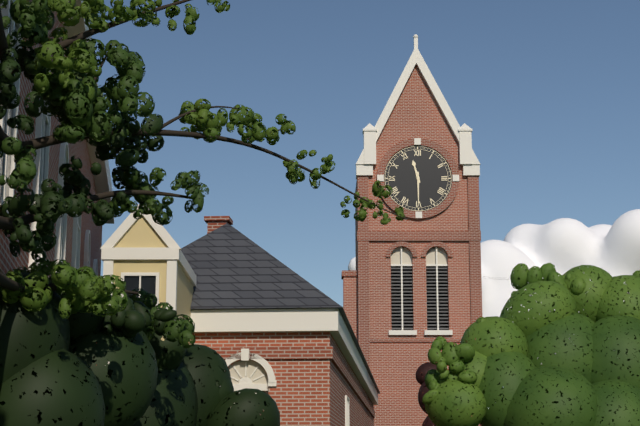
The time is **11:30**
